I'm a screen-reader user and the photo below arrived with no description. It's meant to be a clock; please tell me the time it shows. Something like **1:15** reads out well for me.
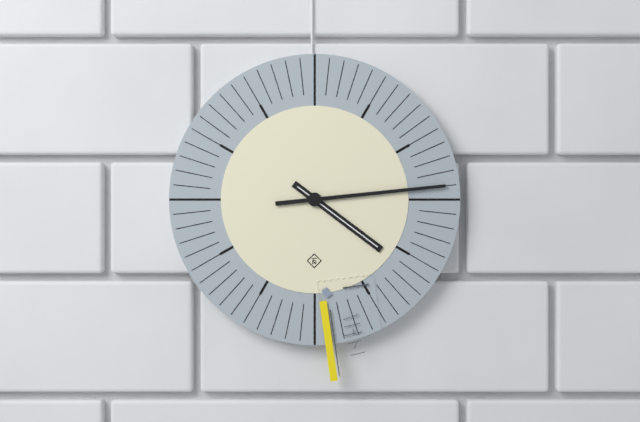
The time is **4:14**
